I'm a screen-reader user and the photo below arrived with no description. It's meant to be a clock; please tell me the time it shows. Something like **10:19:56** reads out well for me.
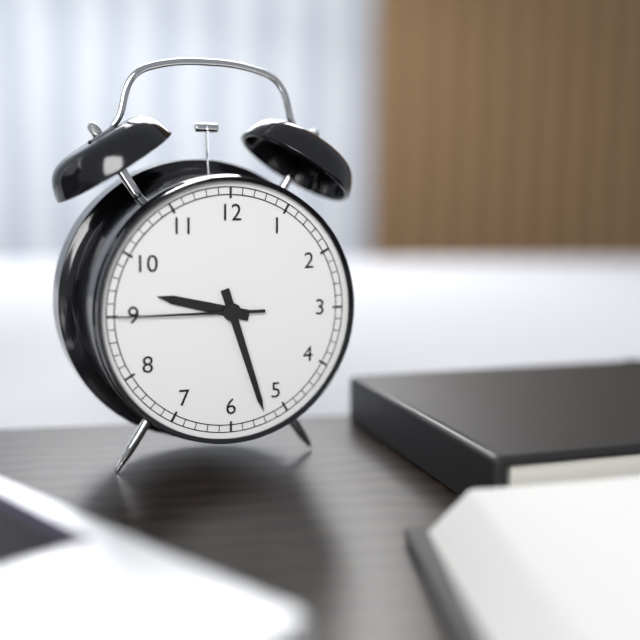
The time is **9:27:45**
